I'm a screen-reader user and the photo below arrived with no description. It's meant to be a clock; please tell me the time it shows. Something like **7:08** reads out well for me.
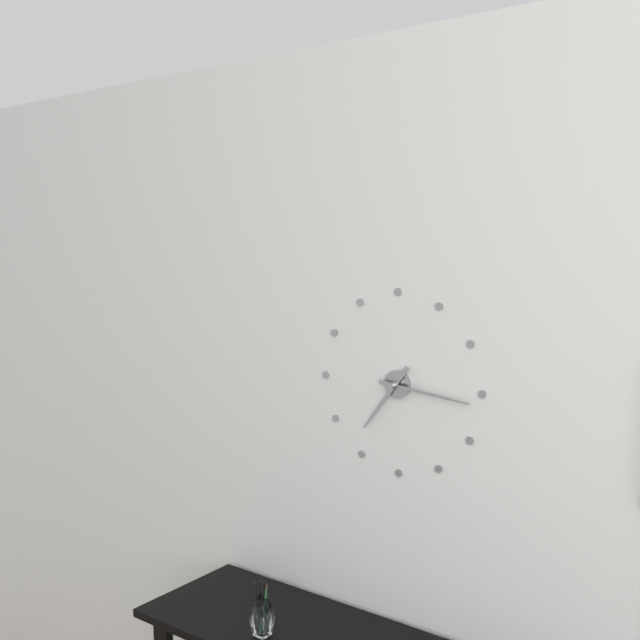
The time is **7:16**
